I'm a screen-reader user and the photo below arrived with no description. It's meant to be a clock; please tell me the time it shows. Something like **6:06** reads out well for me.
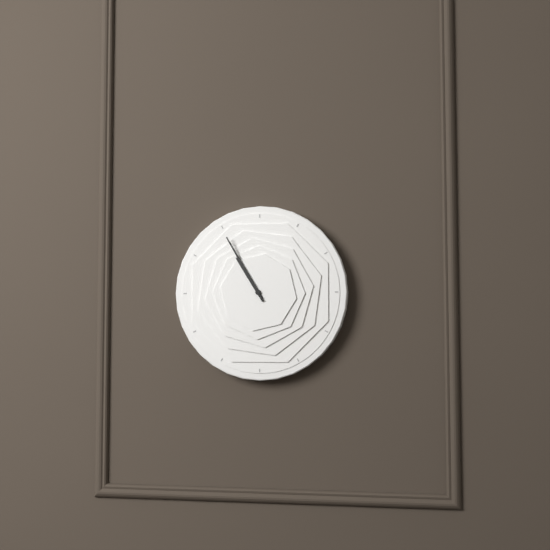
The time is **10:55**
